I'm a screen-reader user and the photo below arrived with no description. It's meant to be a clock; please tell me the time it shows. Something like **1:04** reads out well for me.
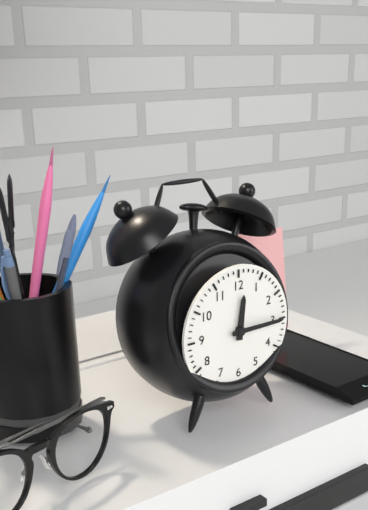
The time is **12:15**
